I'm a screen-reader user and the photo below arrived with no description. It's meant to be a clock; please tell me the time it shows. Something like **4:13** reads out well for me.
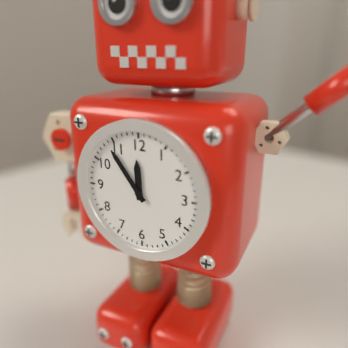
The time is **11:54**
